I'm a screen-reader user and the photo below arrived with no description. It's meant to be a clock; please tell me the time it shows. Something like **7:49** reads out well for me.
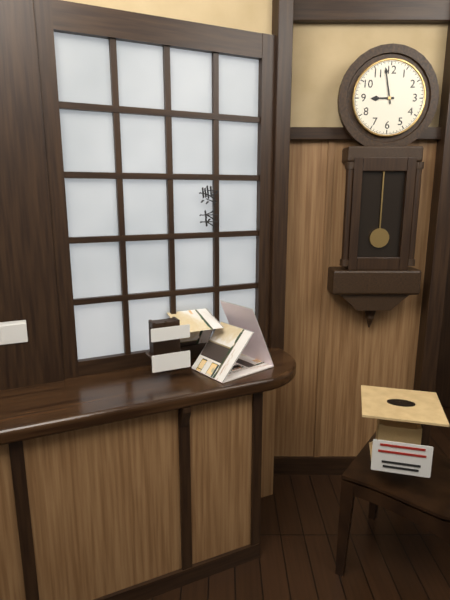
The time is **8:58**
